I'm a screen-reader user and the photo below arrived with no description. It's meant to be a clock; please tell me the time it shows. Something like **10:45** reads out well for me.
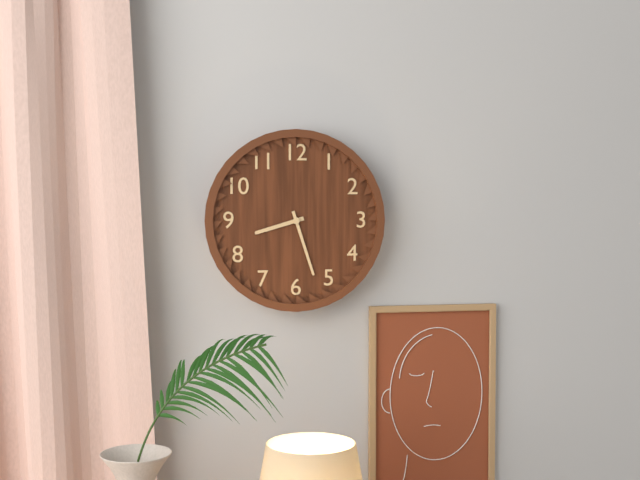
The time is **8:27**
